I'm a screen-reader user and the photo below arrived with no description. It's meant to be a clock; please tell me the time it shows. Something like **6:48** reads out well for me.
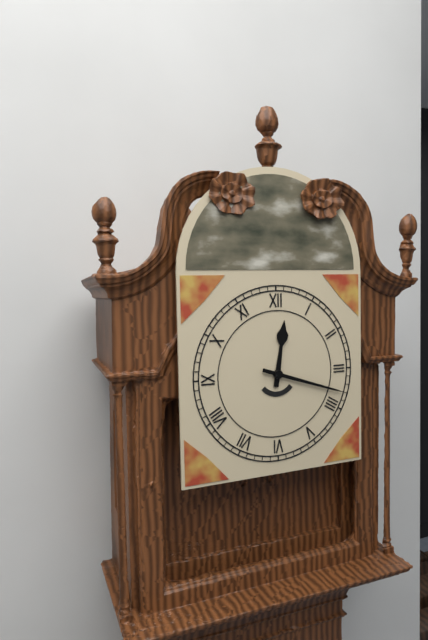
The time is **12:18**
